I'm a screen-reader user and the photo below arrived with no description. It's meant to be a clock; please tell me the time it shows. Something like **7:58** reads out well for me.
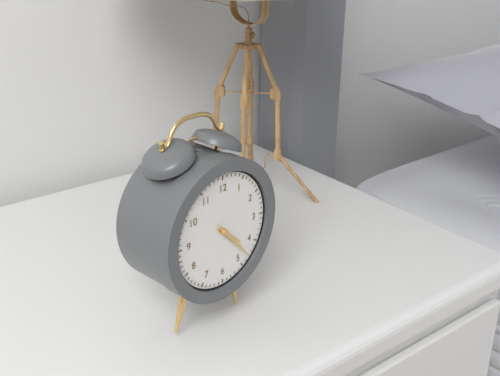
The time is **4:23**
